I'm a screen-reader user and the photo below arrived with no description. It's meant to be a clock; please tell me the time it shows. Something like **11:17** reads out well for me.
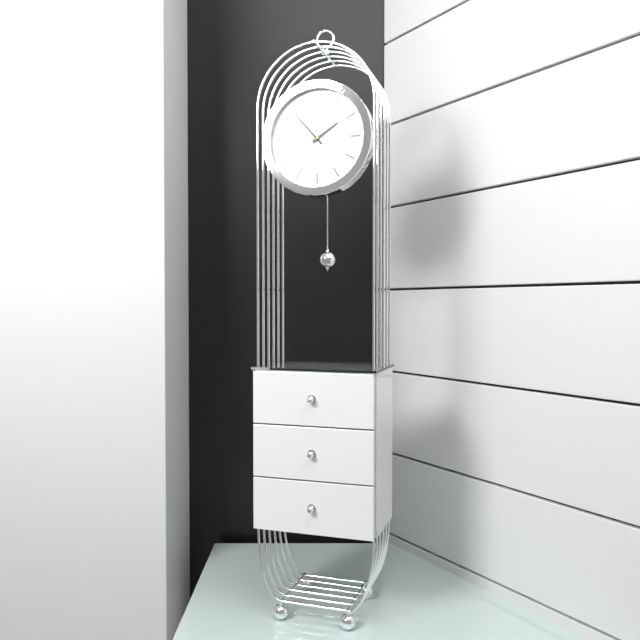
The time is **1:53**
